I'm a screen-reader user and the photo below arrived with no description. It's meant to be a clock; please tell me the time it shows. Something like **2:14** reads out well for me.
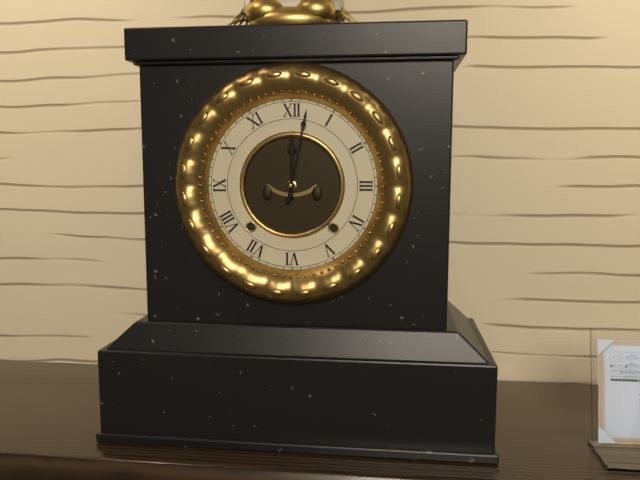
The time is **12:02**
